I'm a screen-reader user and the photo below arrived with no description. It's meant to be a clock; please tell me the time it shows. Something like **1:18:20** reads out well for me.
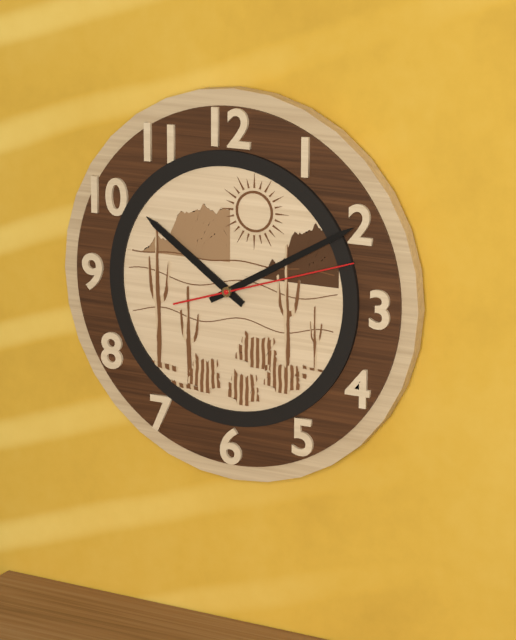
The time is **10:10:12**
